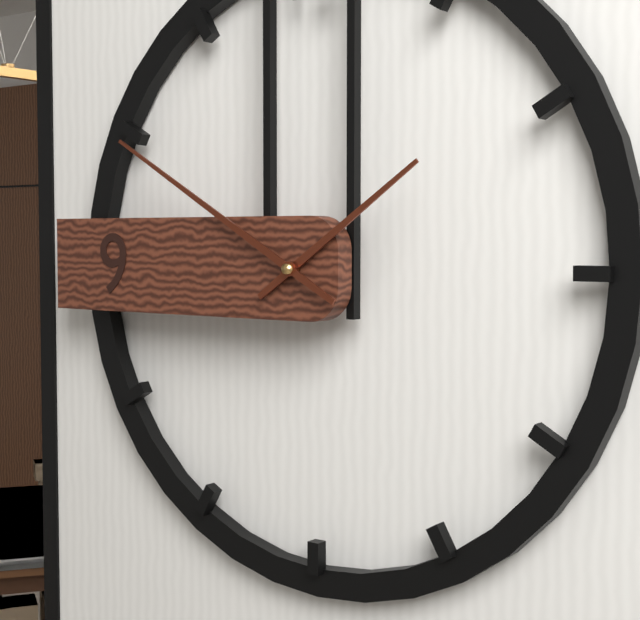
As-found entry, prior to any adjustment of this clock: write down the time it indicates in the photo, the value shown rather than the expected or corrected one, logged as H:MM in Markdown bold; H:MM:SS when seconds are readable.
**1:50**
